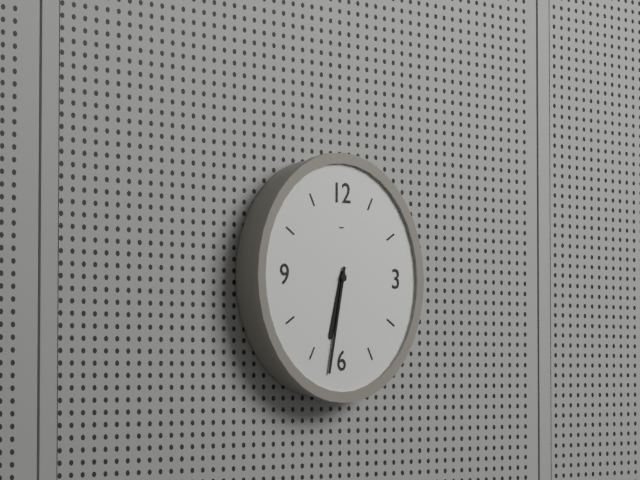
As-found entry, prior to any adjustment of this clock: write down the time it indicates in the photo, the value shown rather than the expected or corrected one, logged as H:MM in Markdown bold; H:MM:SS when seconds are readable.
**6:32**
